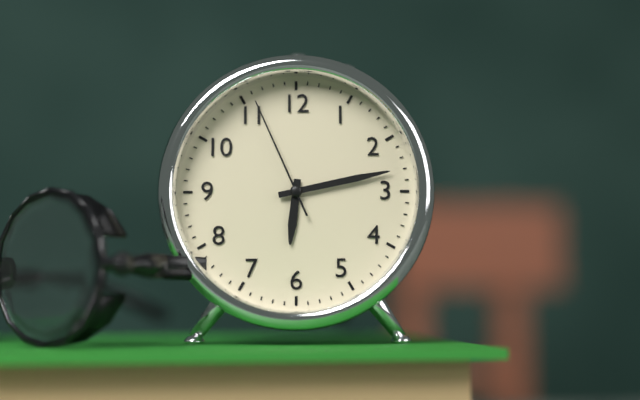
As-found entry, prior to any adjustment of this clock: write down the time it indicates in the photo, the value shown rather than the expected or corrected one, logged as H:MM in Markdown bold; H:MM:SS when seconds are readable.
**6:13:56**
